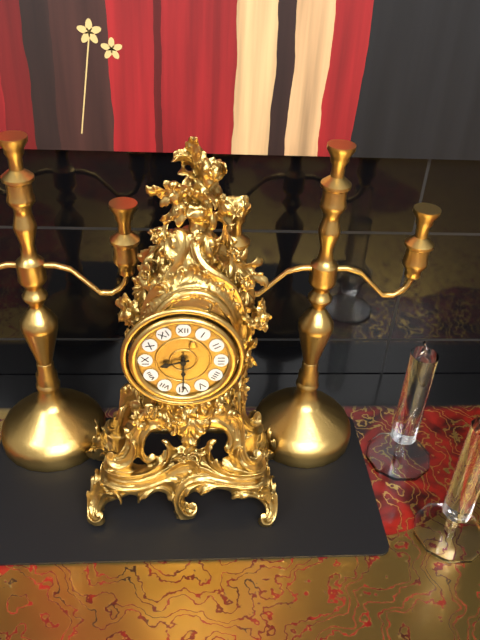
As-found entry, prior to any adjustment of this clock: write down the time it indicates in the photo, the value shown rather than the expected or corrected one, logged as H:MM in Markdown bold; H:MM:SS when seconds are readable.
**8:30**
